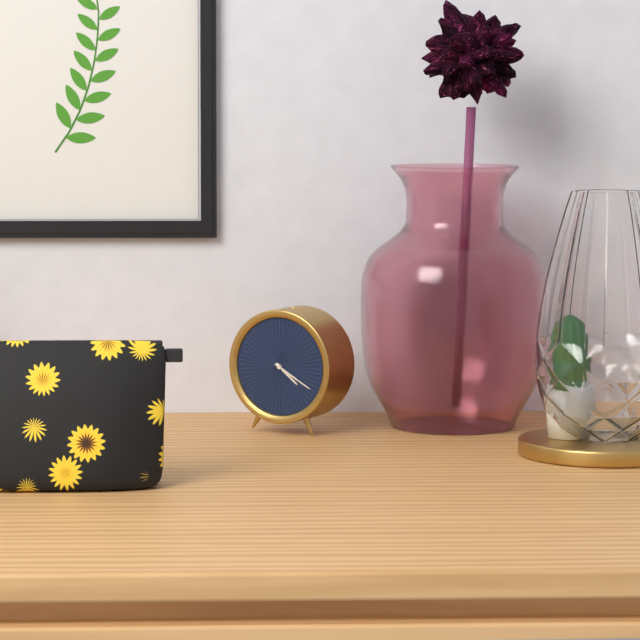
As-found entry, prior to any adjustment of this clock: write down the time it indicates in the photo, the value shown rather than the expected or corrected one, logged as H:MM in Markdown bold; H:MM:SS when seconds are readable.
**4:20**
